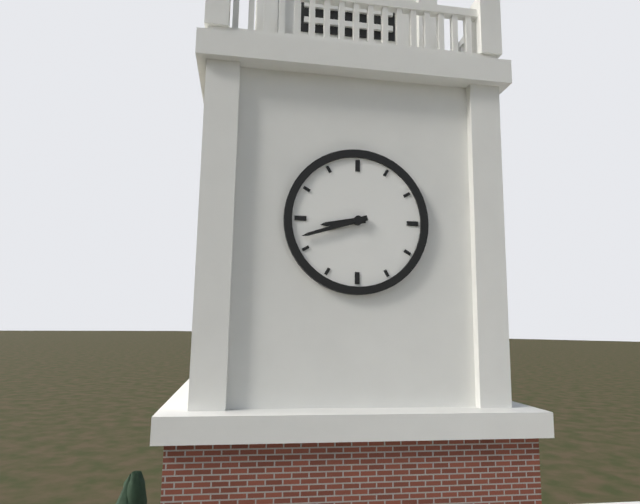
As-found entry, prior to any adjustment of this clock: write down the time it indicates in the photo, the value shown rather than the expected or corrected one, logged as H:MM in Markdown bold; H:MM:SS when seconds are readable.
**8:42**
